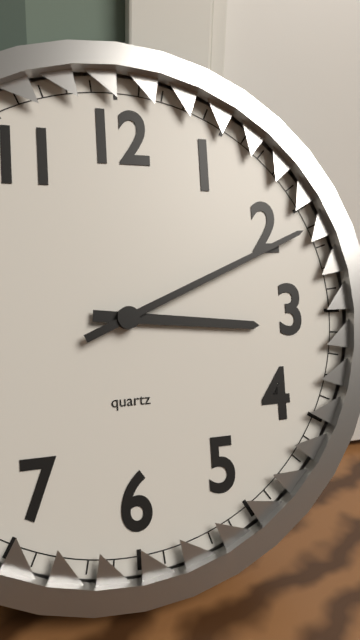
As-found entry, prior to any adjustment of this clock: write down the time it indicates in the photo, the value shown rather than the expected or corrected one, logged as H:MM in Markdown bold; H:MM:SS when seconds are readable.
**3:11**
